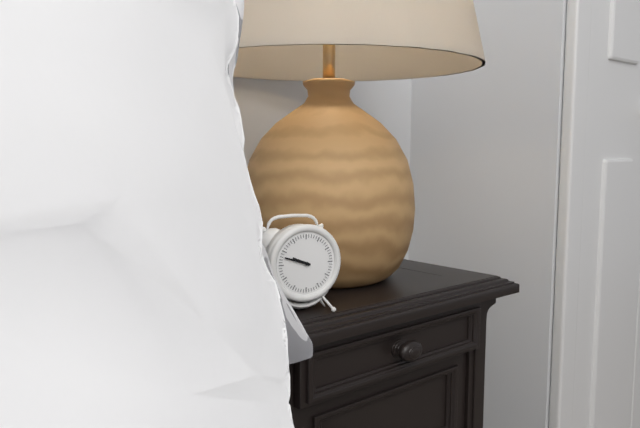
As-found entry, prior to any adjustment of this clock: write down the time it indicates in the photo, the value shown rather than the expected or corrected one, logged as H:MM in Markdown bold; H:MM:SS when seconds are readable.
**9:48**
